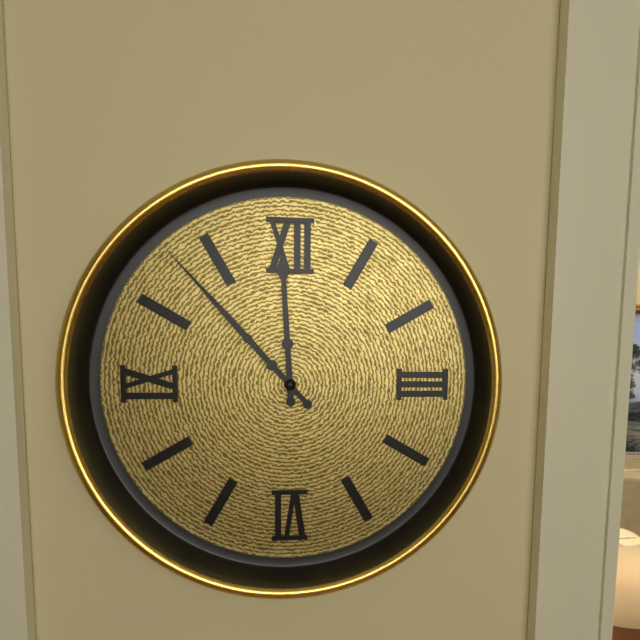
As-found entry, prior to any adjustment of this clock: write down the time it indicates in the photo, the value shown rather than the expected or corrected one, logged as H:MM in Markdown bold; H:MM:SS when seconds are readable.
**11:53**
